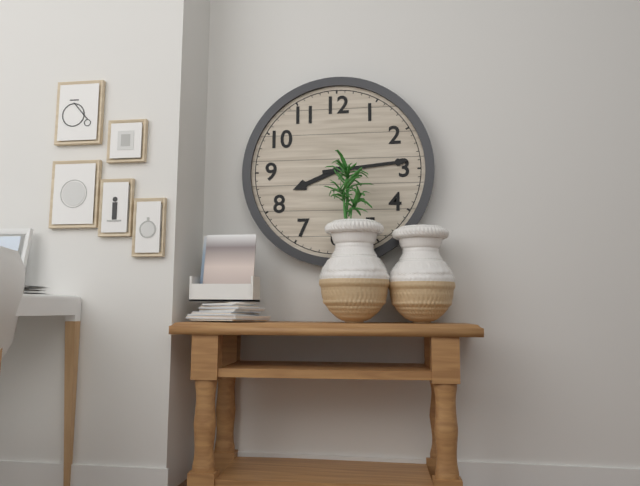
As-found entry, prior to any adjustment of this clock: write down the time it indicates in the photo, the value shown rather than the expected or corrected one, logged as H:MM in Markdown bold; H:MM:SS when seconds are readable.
**8:14**
